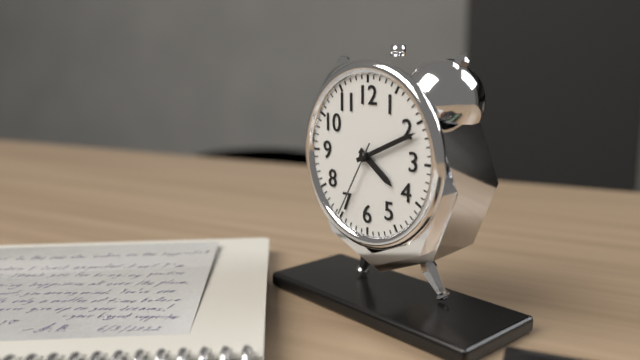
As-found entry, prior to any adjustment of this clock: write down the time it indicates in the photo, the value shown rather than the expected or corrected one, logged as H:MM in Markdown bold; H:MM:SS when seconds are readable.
**4:11:35**
